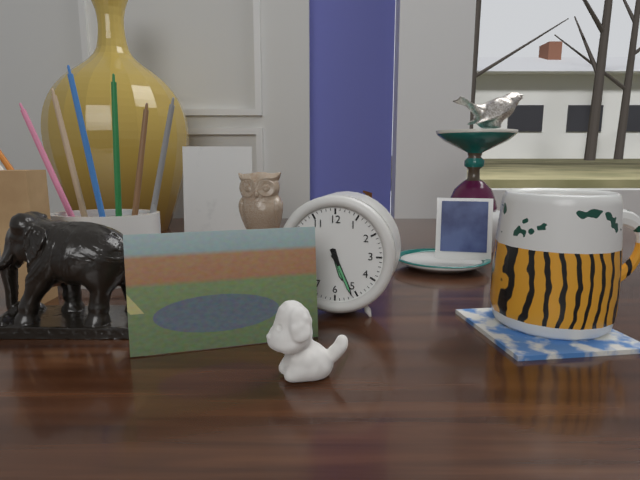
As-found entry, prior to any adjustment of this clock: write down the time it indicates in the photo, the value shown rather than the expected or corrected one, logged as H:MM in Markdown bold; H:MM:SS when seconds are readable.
**5:26**
